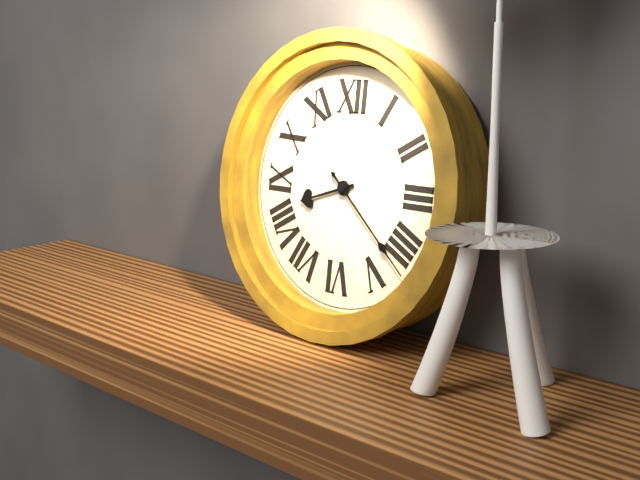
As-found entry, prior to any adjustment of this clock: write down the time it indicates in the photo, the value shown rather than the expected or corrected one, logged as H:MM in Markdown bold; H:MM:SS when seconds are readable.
**8:22**
